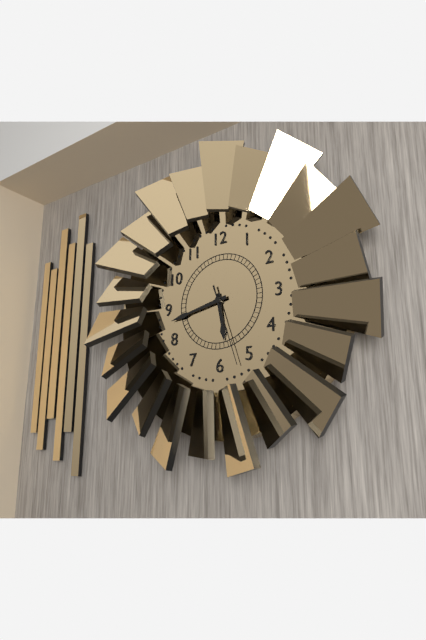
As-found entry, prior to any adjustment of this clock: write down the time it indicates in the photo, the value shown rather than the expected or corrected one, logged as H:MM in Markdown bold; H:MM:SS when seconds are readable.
**5:43:27**
